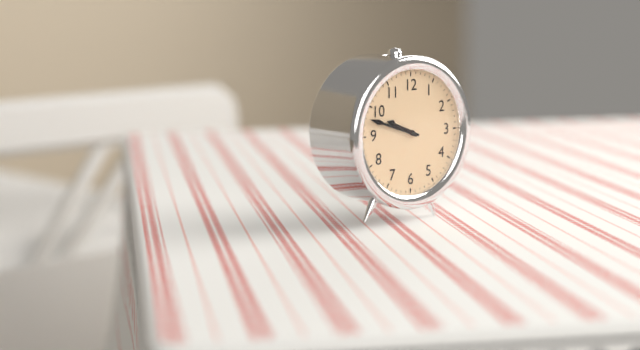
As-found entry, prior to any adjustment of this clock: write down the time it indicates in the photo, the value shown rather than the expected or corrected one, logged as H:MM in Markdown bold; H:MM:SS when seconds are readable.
**9:48**
